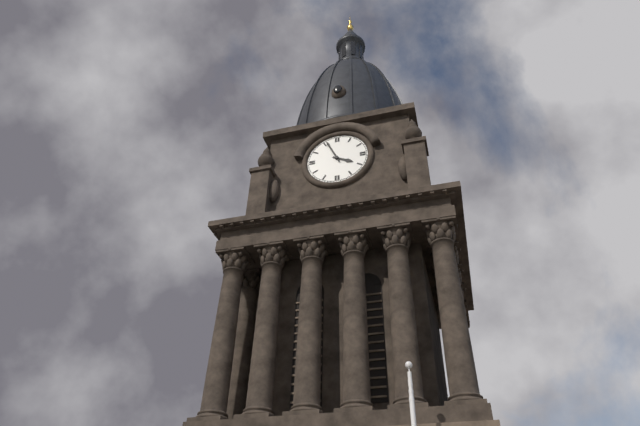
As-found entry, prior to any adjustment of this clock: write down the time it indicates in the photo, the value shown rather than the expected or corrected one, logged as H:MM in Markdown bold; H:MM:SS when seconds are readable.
**3:56**
